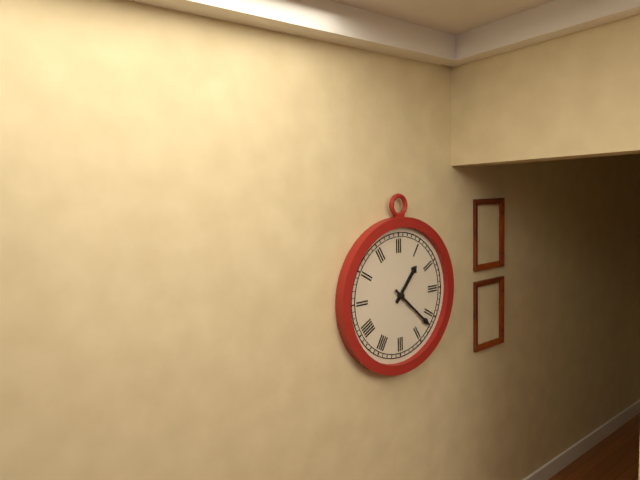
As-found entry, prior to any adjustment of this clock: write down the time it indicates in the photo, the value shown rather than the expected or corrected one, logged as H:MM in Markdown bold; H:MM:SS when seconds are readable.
**1:22**
